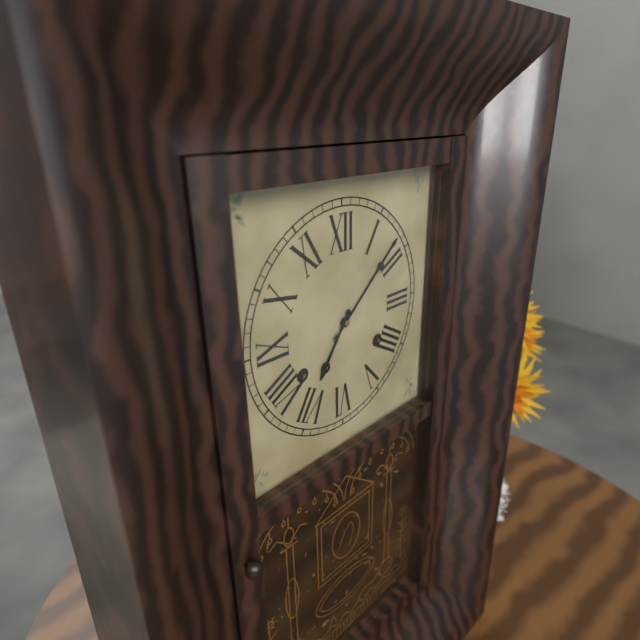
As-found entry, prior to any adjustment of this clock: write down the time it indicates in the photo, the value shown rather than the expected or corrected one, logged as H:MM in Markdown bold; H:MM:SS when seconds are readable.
**7:08**
